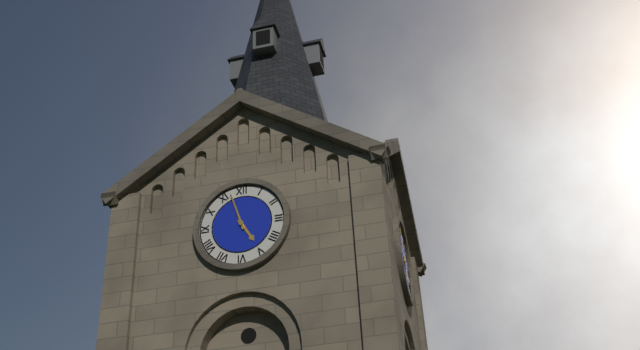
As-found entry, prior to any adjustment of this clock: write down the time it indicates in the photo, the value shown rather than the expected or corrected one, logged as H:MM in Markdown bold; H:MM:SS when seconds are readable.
**4:57**
